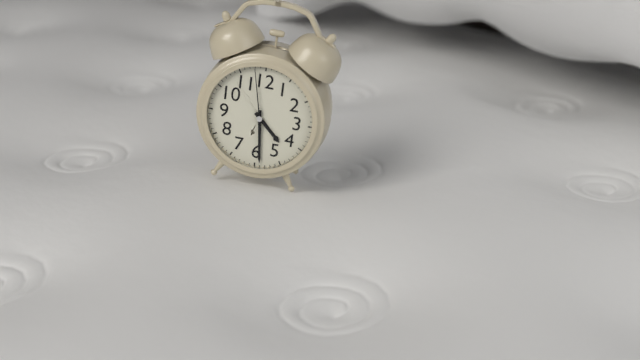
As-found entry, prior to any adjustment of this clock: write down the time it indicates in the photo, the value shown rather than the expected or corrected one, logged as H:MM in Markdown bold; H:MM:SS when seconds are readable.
**4:29:58**
